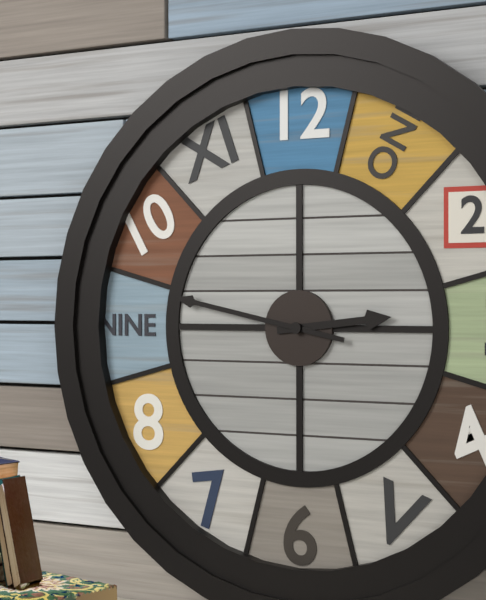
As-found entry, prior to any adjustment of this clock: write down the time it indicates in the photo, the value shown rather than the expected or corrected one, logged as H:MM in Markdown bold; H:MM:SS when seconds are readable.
**2:47**
